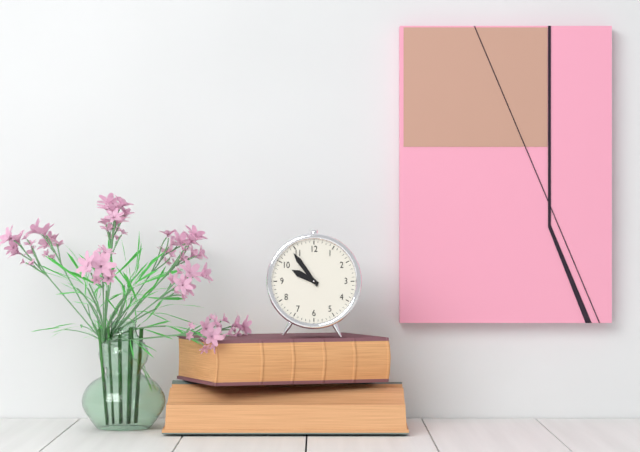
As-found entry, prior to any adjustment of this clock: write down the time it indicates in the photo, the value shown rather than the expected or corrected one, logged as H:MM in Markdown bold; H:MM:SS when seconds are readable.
**9:54**
